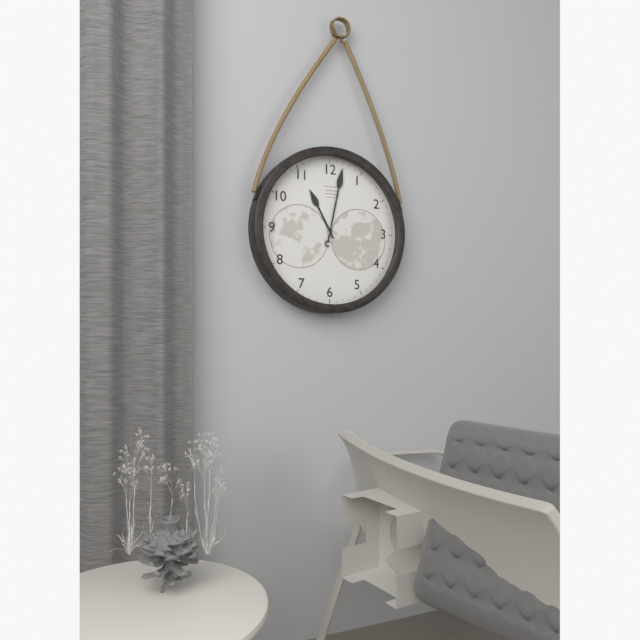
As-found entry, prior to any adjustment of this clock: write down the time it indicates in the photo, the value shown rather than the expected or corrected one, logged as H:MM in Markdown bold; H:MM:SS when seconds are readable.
**11:02**
